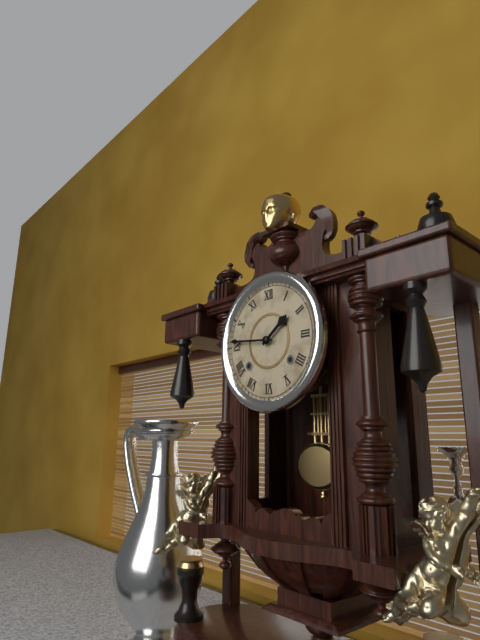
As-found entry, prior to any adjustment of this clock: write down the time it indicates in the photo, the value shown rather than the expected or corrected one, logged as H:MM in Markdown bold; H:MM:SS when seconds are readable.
**1:46**
